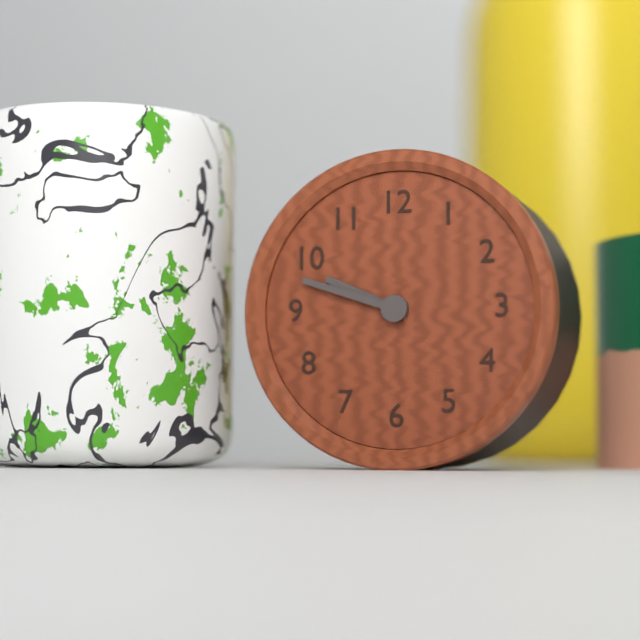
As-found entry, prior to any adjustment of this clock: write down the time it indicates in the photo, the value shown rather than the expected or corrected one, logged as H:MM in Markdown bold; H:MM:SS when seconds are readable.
**9:48**
